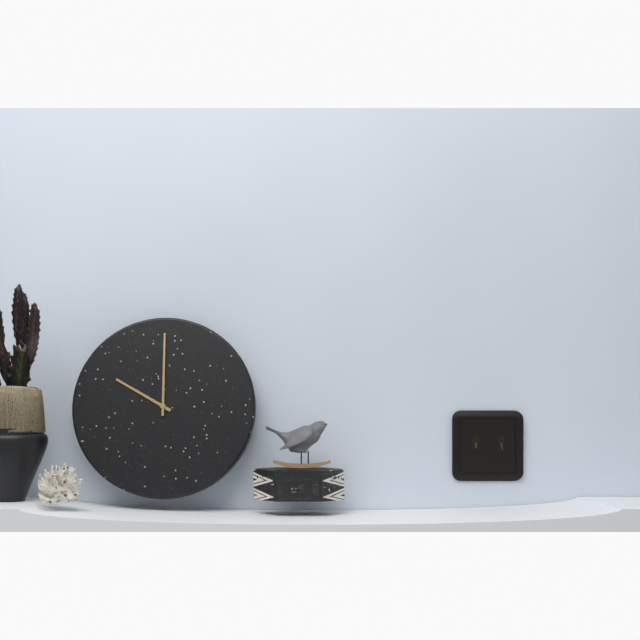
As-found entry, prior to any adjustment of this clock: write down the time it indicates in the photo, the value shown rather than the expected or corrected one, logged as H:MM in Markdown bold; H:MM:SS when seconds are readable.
**10:00**
